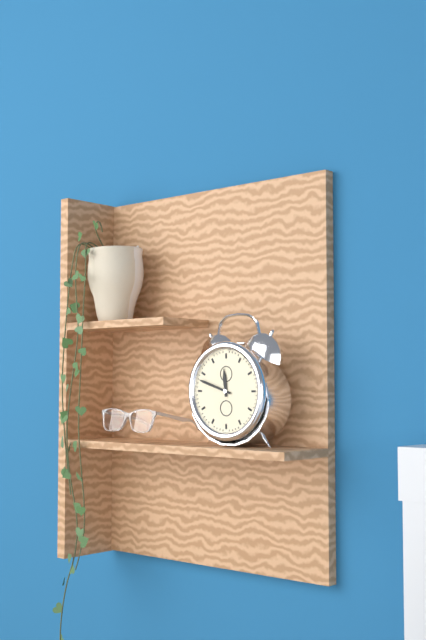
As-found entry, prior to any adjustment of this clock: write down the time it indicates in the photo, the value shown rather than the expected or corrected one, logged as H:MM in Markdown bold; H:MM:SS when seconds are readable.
**11:48**
